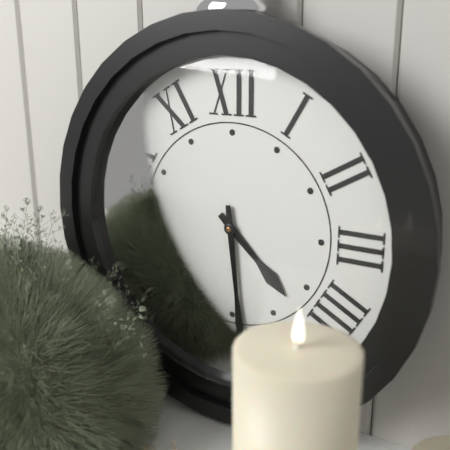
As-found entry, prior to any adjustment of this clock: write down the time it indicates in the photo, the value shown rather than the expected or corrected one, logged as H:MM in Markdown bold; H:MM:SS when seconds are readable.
**4:29**
